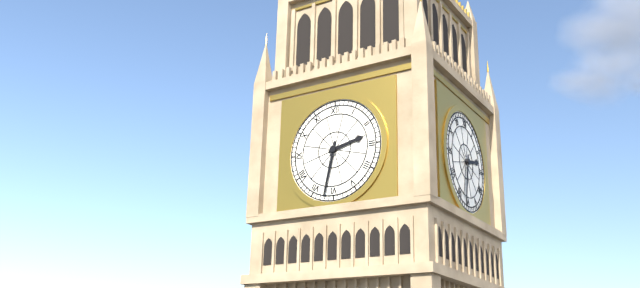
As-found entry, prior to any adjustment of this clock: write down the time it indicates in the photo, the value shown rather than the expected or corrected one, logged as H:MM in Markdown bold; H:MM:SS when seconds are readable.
**2:32**
